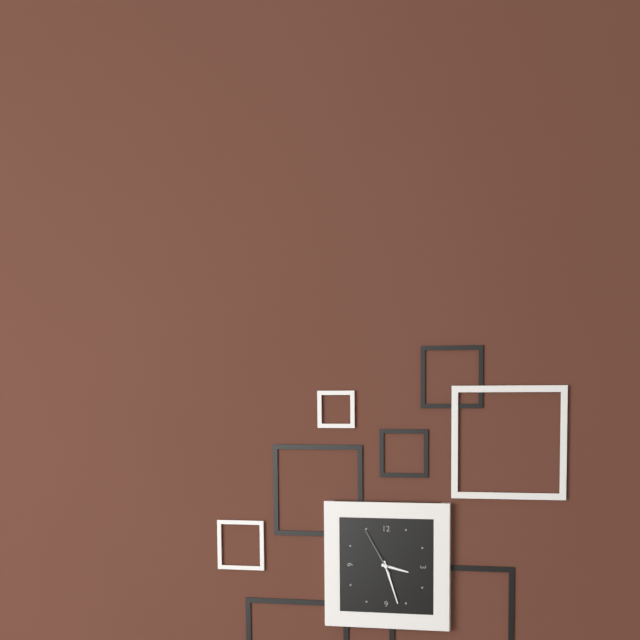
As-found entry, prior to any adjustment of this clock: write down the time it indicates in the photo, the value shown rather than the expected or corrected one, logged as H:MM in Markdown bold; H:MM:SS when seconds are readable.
**3:27:55**
